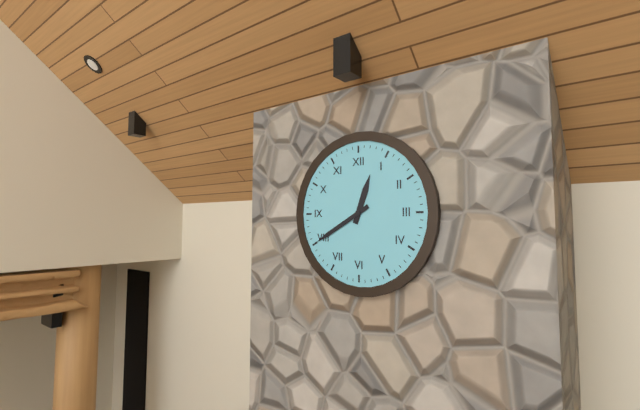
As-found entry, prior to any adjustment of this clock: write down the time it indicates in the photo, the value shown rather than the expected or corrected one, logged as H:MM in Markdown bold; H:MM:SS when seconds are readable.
**12:40**
